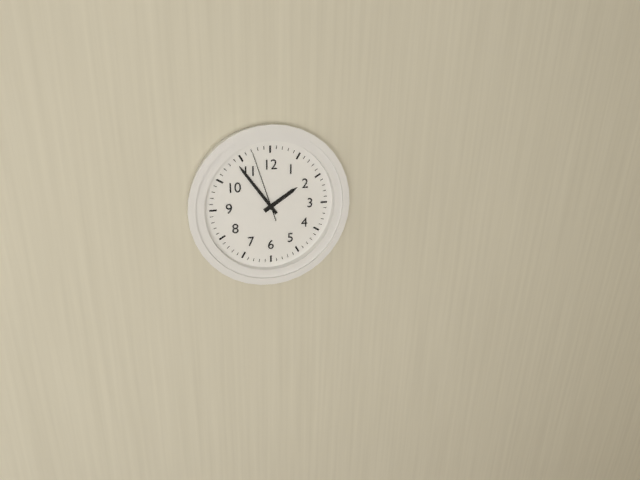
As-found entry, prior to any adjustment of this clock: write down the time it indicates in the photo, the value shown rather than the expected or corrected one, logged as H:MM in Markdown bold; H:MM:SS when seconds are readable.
**1:54:57**
